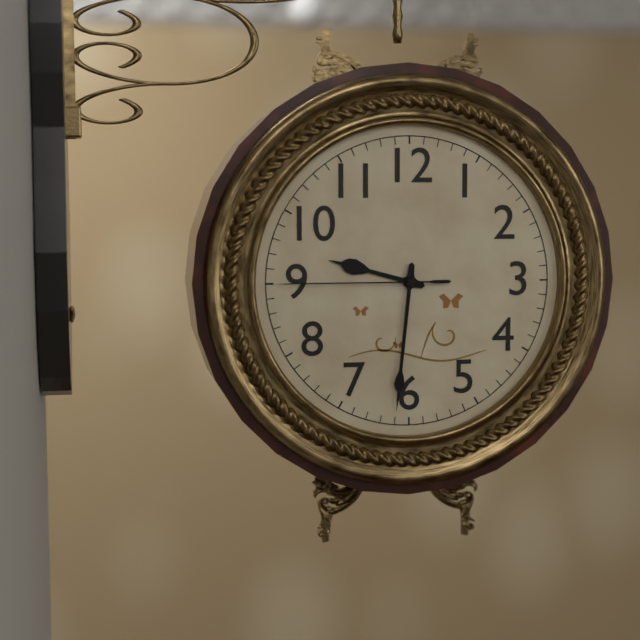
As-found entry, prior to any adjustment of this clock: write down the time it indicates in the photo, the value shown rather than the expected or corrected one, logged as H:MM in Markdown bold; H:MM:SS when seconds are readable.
**9:31:45**
